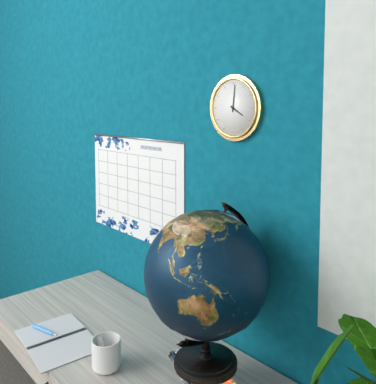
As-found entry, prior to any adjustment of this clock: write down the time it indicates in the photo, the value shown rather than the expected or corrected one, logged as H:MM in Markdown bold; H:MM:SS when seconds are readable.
**4:01**
